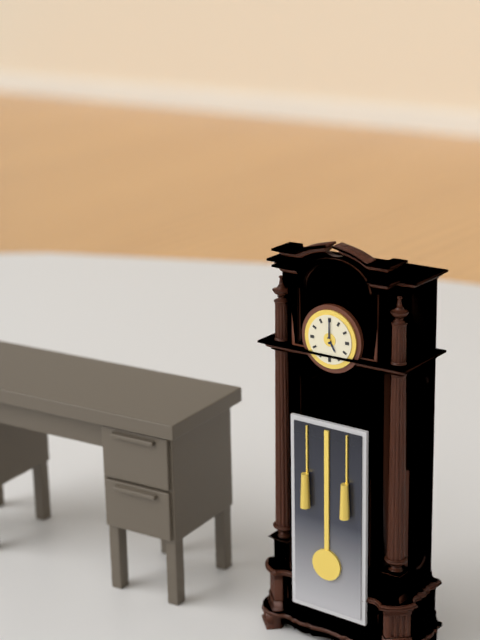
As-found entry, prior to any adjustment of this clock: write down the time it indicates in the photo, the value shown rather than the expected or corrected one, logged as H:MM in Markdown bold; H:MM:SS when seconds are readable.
**5:00**
